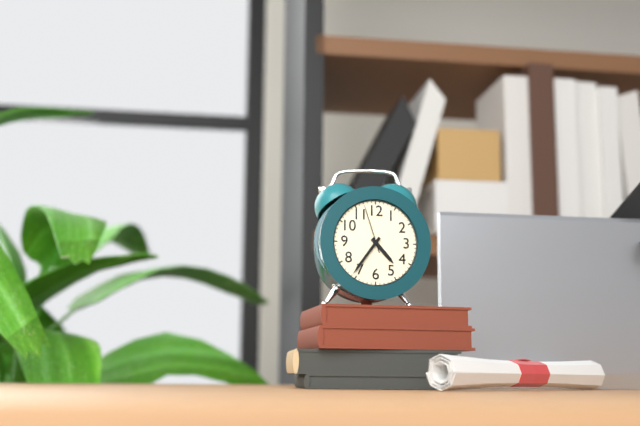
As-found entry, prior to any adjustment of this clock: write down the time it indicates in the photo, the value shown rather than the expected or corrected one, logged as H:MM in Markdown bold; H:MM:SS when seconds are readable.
**4:36:57**
